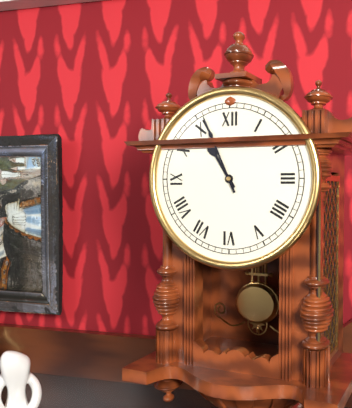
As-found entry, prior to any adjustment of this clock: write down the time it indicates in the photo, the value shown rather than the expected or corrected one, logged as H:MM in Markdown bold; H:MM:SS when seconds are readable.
**10:56**
